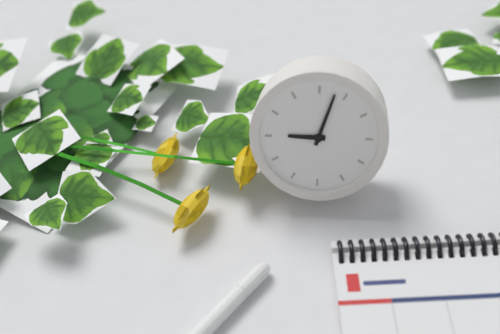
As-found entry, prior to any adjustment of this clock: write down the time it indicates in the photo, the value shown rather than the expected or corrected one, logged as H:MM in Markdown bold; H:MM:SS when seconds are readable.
**9:03**
